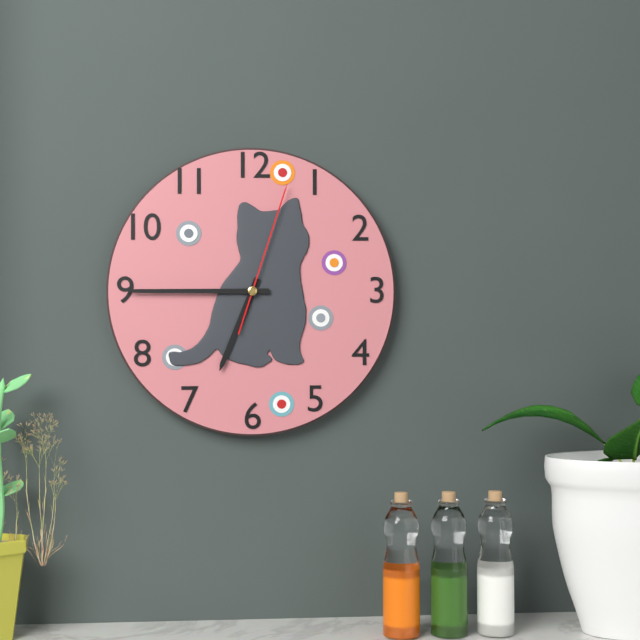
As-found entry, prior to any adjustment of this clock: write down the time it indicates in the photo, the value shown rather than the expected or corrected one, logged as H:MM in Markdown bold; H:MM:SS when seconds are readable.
**6:45:03**
